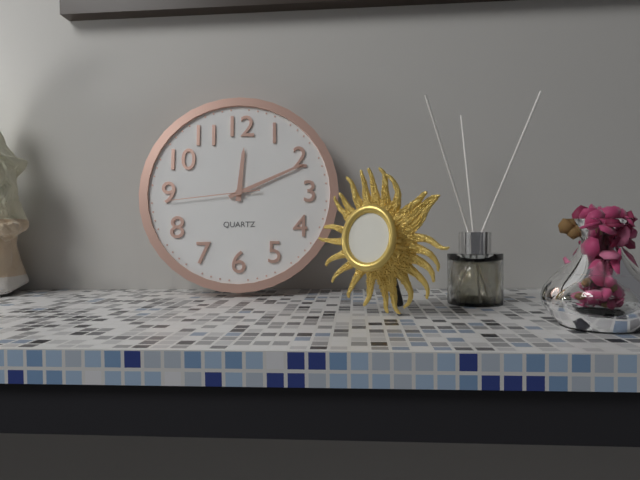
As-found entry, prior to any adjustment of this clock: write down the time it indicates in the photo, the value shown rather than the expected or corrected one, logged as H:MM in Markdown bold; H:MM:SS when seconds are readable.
**12:11:44**
